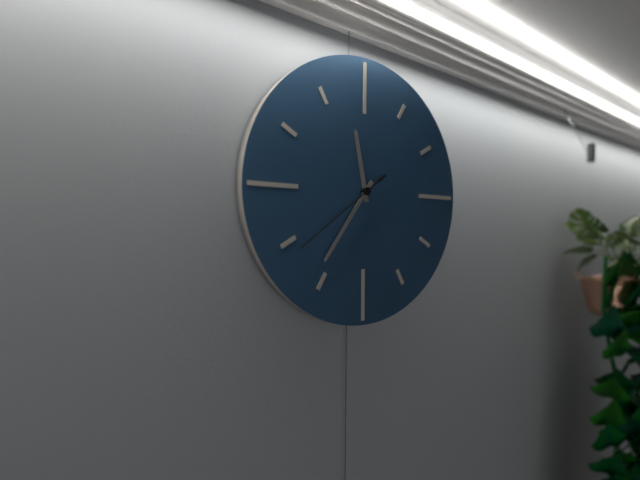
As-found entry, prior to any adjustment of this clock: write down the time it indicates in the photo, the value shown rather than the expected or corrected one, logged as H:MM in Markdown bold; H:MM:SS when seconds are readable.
**11:36:39**
